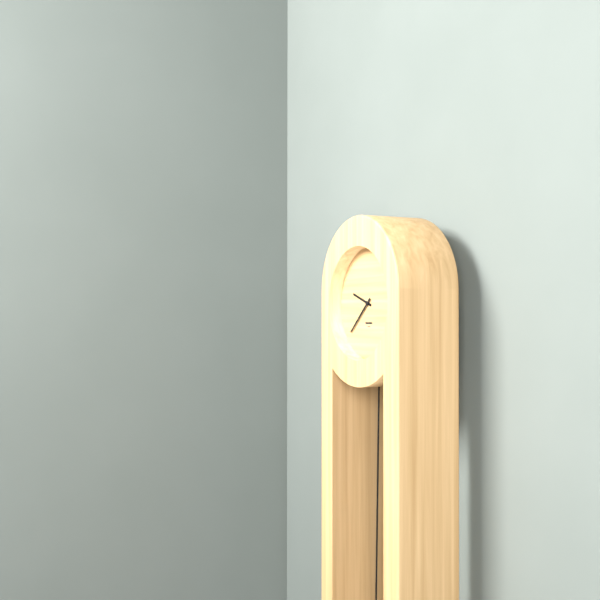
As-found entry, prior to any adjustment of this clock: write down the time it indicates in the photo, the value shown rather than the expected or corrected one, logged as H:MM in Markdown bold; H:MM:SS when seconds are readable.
**9:38**
